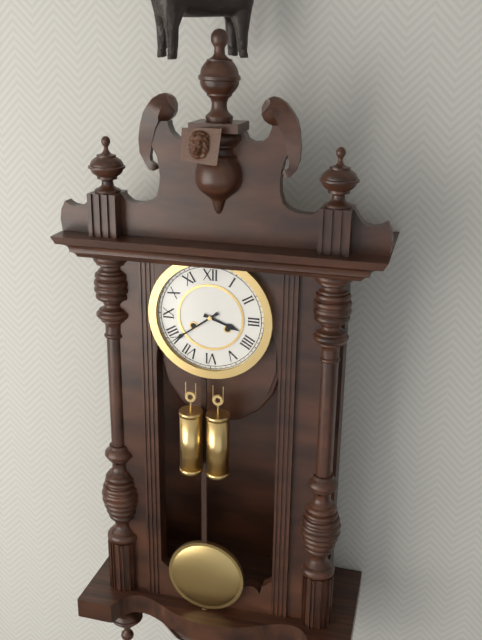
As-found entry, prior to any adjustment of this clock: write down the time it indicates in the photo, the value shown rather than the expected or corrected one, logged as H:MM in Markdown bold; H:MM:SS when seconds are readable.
**3:39**
